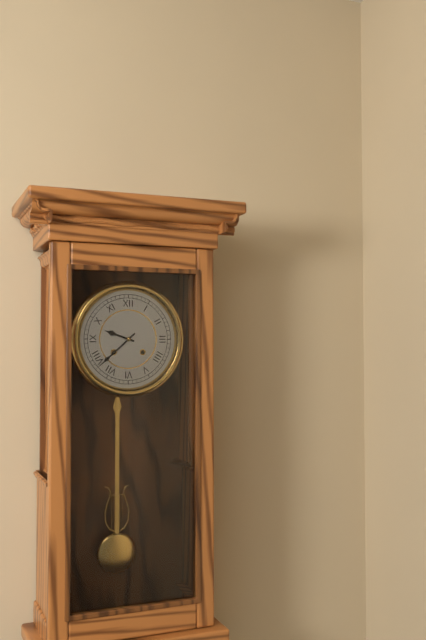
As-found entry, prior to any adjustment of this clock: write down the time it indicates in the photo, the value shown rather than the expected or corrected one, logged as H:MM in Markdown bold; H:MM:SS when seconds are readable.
**9:38**
